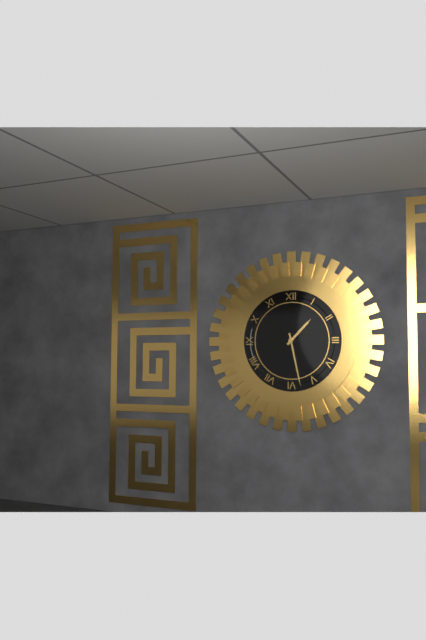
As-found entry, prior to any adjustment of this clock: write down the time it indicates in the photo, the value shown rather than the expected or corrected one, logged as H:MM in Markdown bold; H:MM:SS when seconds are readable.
**1:28**
